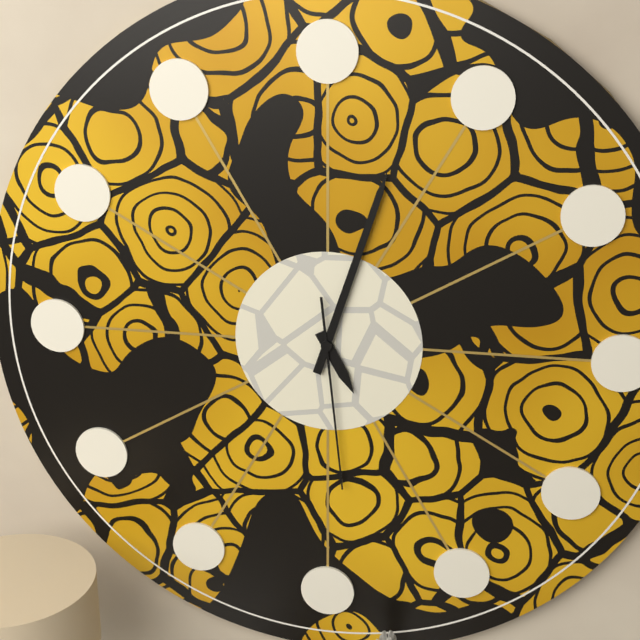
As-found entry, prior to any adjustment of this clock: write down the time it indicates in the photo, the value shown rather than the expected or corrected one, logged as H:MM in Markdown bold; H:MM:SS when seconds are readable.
**5:03:29**
